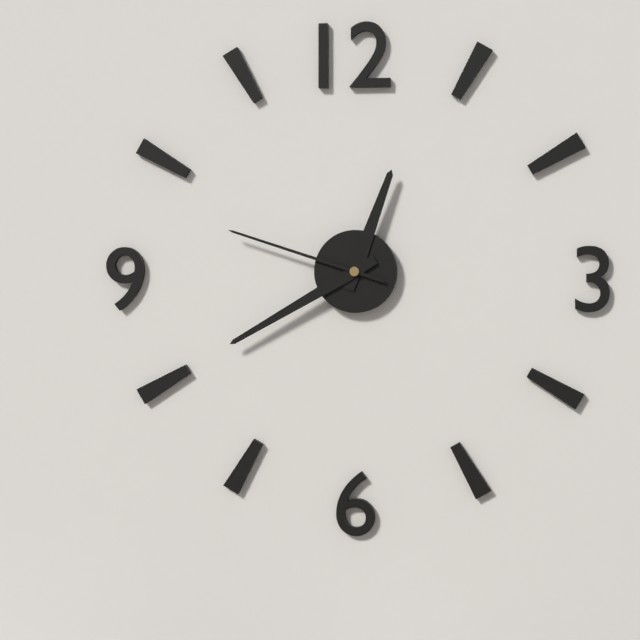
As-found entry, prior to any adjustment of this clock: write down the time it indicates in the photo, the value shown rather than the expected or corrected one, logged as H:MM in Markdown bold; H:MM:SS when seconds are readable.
**12:40:48**
